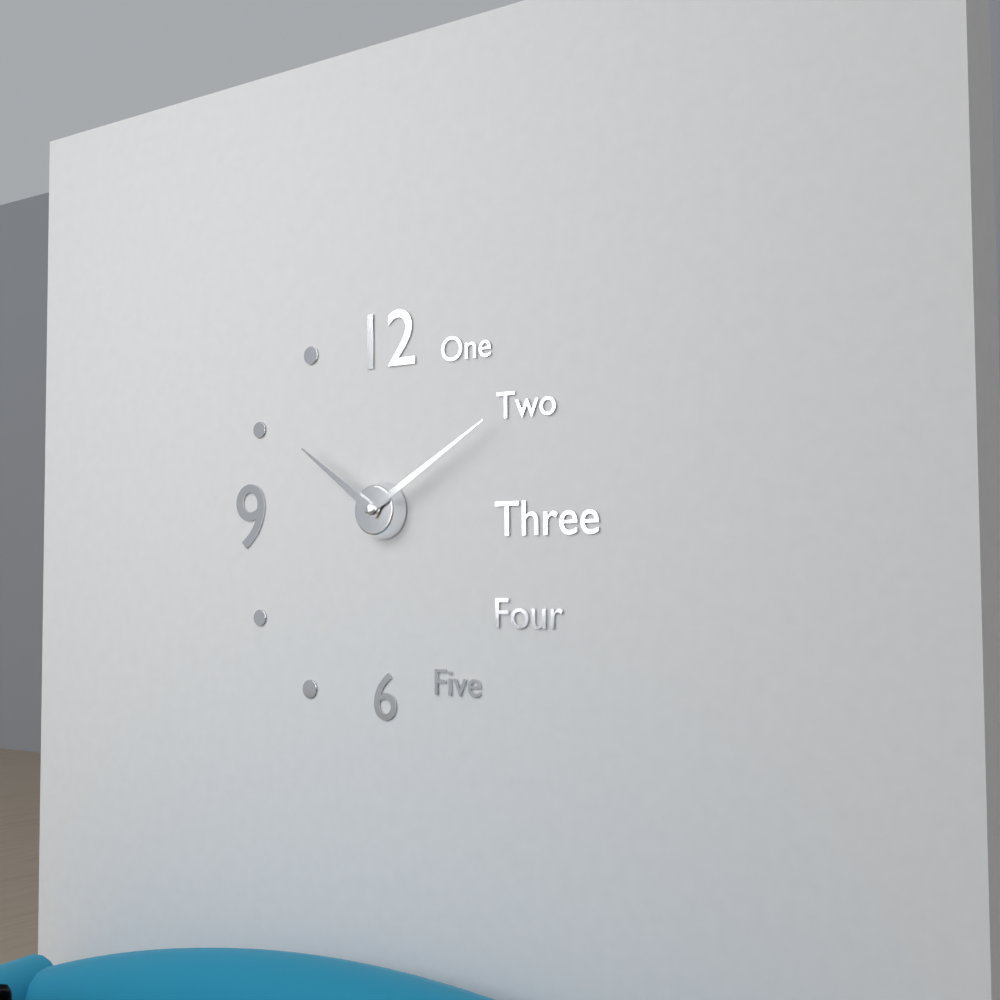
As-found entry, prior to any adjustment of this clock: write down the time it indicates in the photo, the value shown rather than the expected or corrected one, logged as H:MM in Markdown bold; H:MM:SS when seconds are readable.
**10:10**
